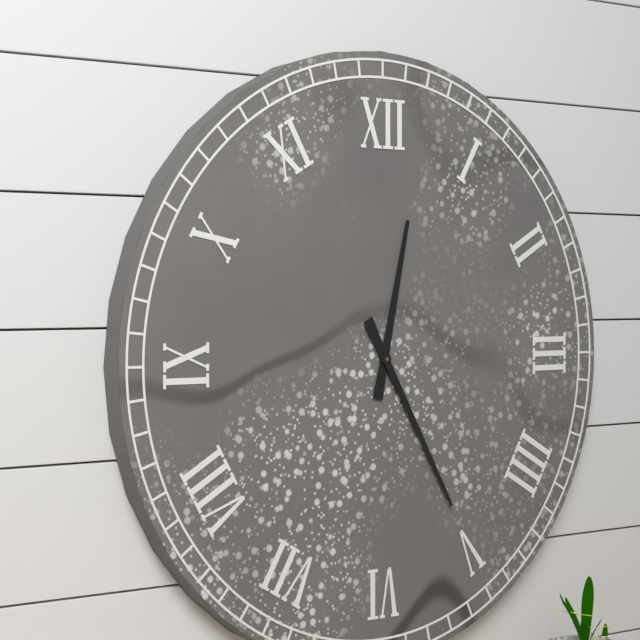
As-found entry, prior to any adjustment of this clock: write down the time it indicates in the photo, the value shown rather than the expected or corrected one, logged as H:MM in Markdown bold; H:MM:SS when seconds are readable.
**12:25**
